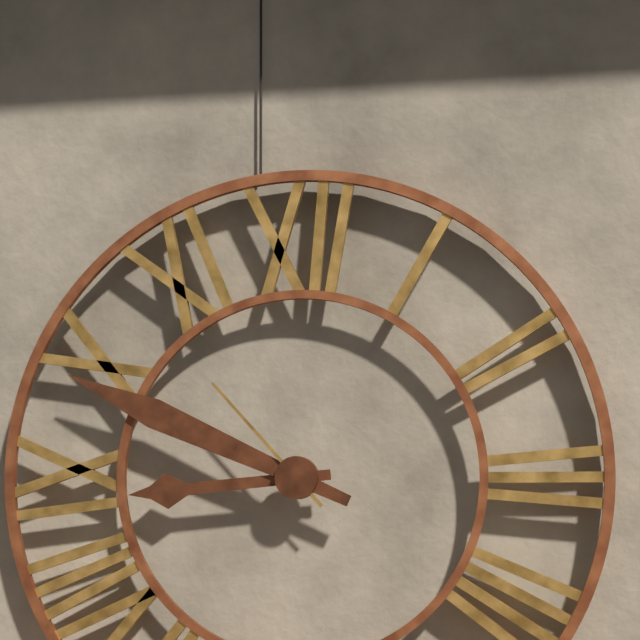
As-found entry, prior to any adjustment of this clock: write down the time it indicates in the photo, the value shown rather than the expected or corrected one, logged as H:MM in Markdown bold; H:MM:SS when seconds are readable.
**8:49:53**
